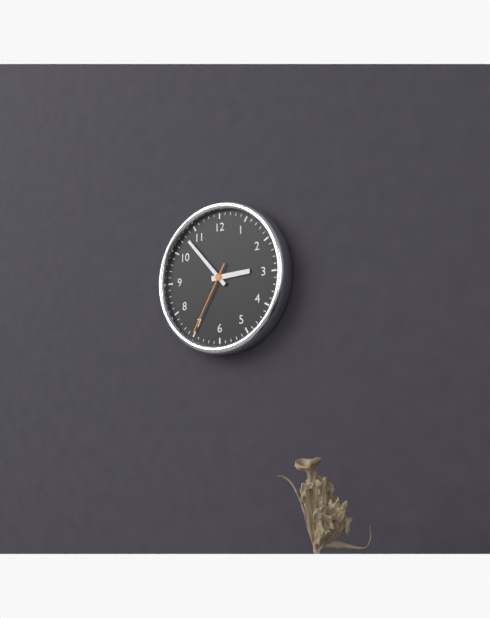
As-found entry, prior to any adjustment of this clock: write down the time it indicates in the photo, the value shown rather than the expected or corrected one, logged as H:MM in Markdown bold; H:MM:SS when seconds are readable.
**2:53:35**
